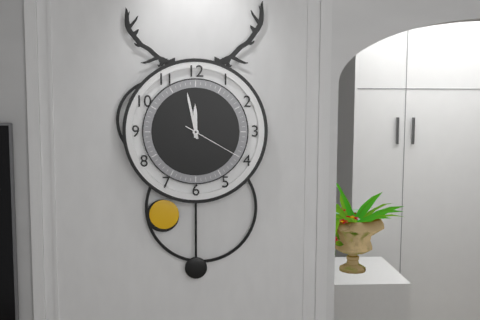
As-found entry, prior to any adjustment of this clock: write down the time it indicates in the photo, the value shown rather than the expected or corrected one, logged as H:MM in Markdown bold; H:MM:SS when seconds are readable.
**11:58:20**
